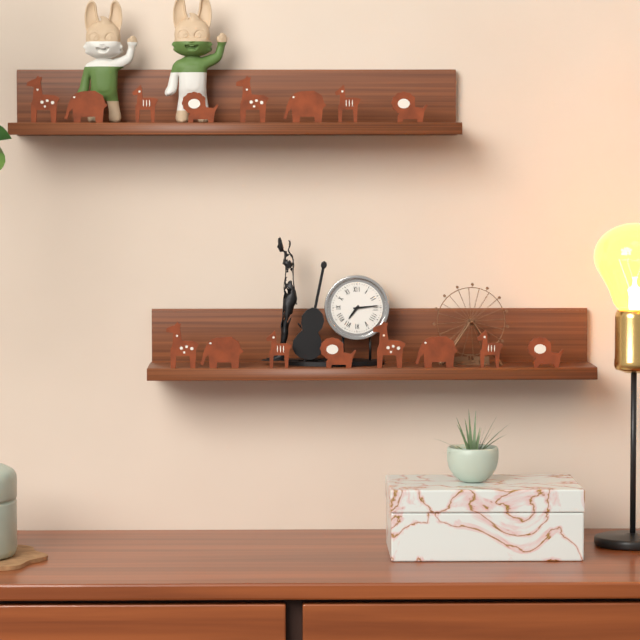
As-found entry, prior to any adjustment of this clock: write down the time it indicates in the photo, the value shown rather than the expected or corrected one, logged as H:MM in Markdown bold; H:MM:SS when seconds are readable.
**7:14**
